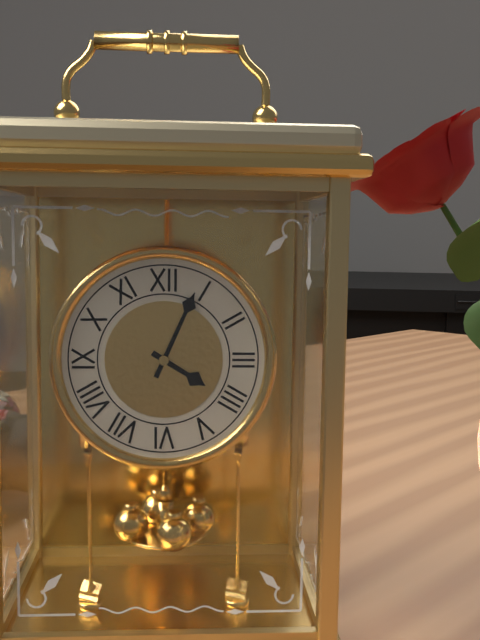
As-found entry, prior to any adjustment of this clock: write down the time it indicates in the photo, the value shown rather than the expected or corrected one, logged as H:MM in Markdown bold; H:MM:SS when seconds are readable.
**4:04**
